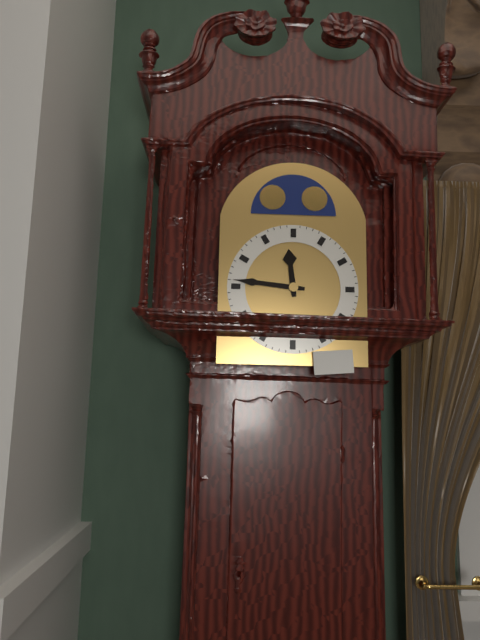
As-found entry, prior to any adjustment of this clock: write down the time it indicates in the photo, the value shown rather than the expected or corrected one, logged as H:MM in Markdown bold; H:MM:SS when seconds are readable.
**11:46**
